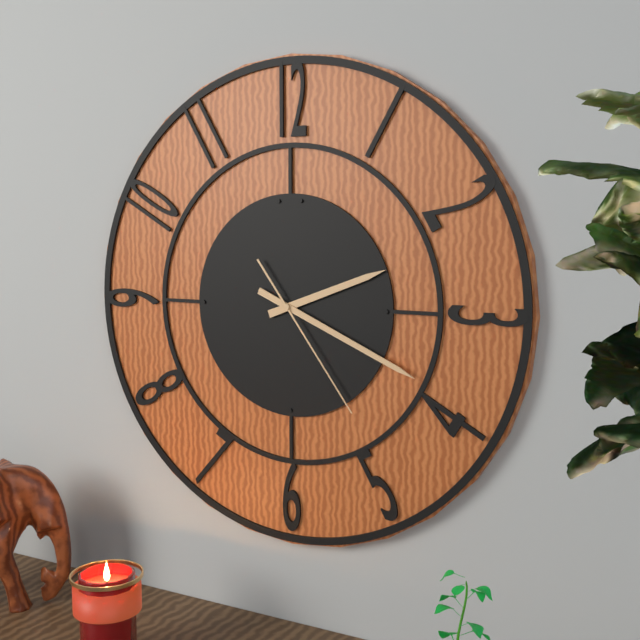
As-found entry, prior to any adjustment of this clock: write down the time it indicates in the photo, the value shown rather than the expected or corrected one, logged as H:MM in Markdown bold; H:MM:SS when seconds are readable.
**2:19:24**
